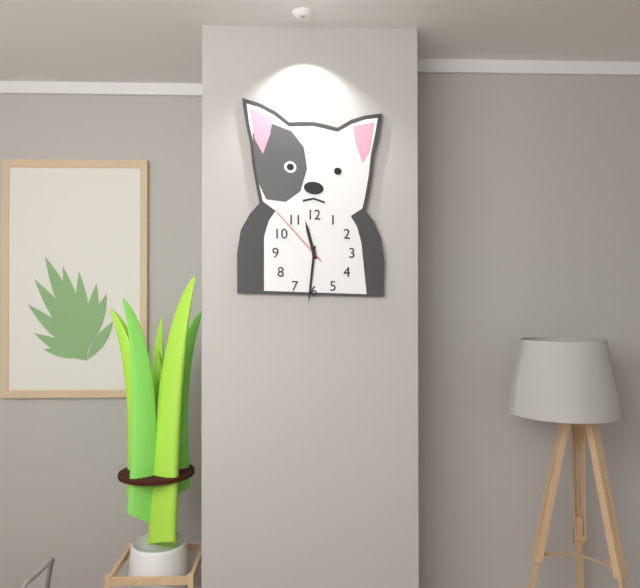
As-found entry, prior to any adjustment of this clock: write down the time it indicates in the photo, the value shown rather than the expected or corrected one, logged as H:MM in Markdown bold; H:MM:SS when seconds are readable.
**11:31:53**
